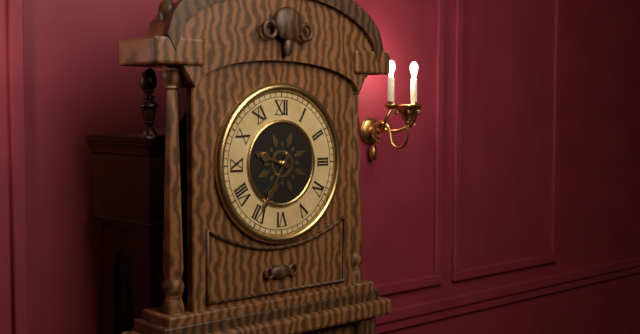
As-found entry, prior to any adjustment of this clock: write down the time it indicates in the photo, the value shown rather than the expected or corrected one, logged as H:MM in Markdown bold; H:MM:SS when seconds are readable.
**9:35**
